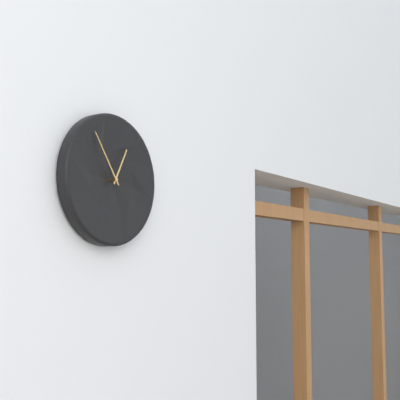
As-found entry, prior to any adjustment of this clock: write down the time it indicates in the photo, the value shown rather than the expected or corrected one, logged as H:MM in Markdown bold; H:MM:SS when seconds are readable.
**12:54**
